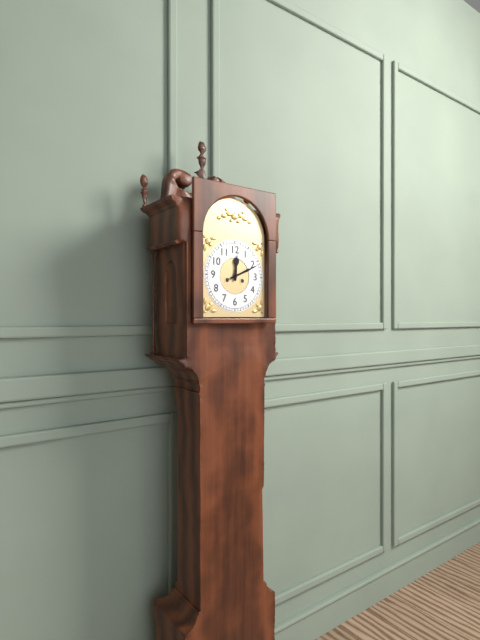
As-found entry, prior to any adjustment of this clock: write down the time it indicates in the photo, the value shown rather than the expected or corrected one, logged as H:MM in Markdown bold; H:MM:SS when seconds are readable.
**12:11**
